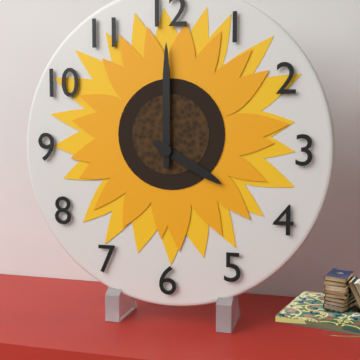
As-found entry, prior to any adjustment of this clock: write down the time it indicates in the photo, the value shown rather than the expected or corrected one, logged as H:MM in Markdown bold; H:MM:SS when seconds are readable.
**4:00**
